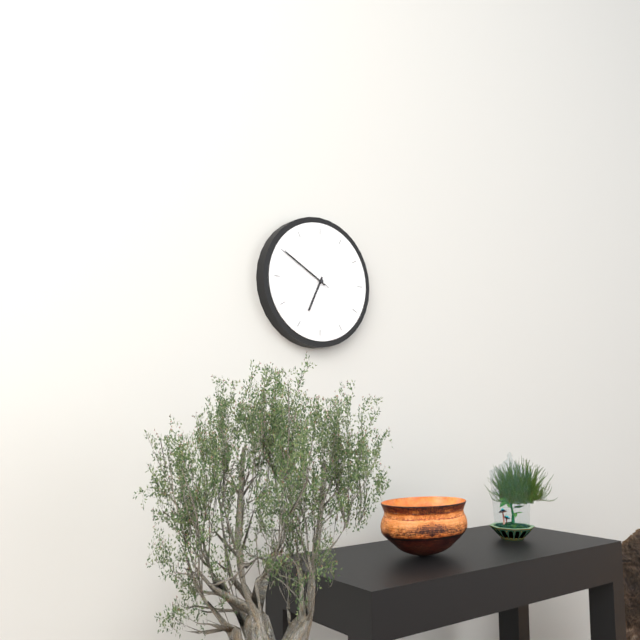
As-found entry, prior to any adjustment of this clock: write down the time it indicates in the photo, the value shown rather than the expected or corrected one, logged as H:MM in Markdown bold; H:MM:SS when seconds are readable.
**6:50:50**
